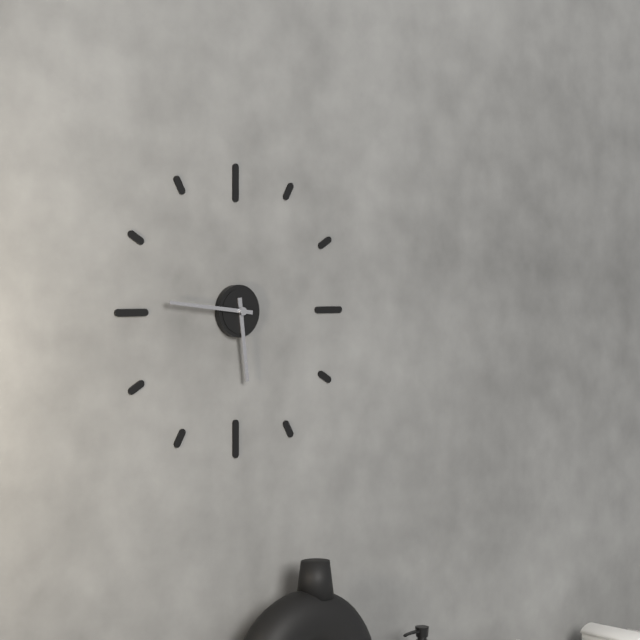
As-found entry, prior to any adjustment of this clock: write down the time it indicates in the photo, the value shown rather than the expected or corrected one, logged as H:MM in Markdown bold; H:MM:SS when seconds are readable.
**5:46**
